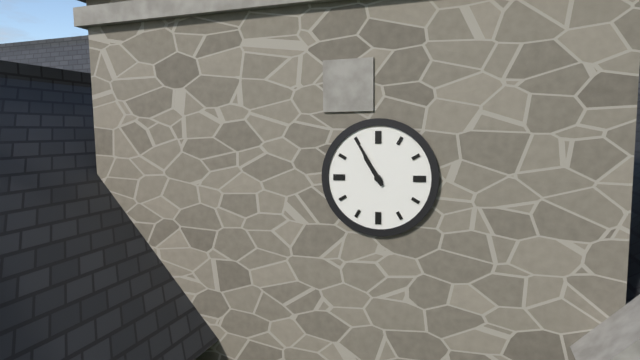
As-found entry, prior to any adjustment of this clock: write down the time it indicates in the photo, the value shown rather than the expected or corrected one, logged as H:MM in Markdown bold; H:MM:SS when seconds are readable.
**10:55**
